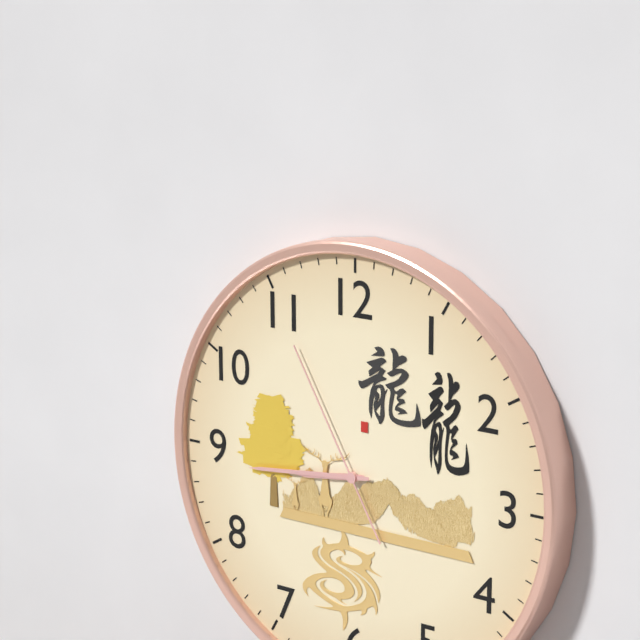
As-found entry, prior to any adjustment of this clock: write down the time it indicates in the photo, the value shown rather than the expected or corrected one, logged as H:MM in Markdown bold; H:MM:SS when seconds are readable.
**8:44:55**
